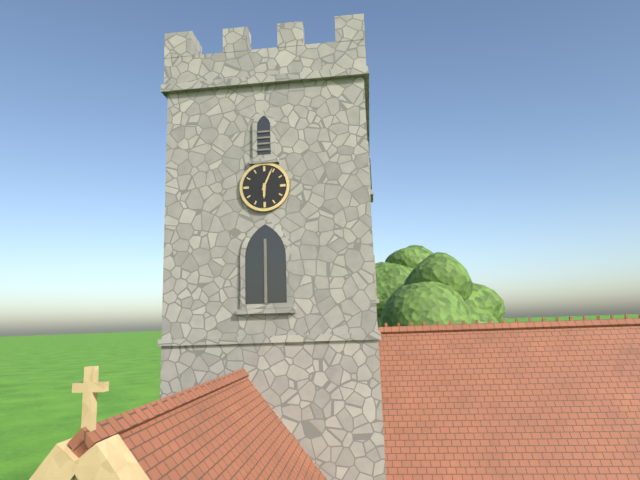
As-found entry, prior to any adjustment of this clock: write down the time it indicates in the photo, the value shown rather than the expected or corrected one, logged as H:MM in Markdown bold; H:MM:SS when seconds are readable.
**6:04**
